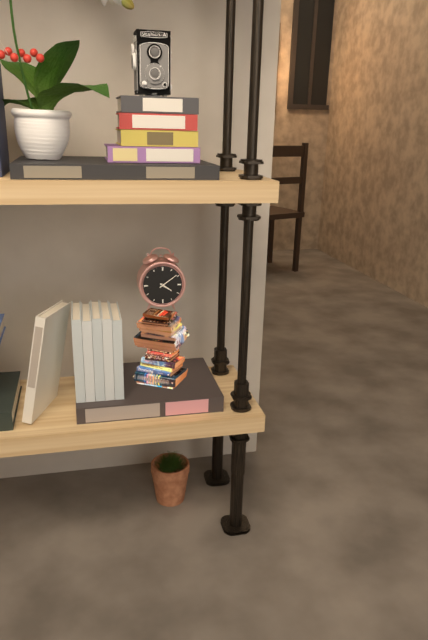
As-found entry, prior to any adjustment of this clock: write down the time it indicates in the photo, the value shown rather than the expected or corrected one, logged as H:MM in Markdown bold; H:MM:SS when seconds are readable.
**4:09**
